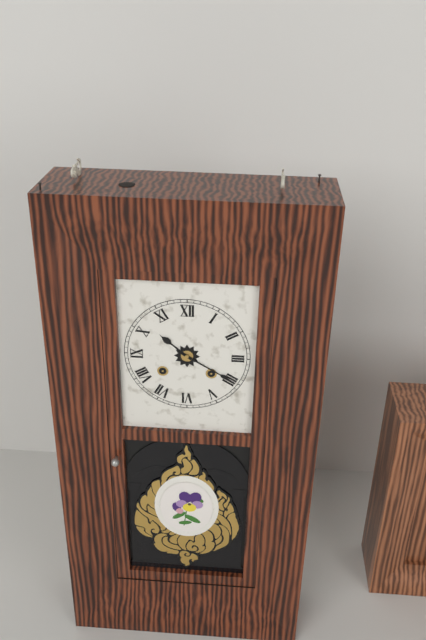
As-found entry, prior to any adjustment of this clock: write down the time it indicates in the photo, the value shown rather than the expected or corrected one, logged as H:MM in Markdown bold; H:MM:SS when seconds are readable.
**10:20**
